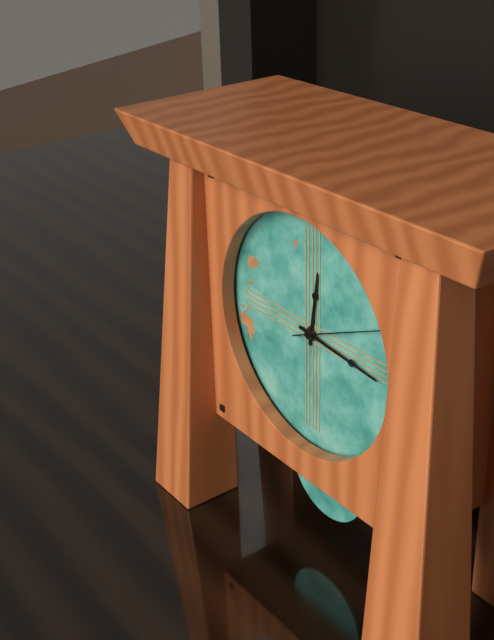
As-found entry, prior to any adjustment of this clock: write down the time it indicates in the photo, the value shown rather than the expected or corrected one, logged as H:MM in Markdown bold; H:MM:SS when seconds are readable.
**12:16:11**
